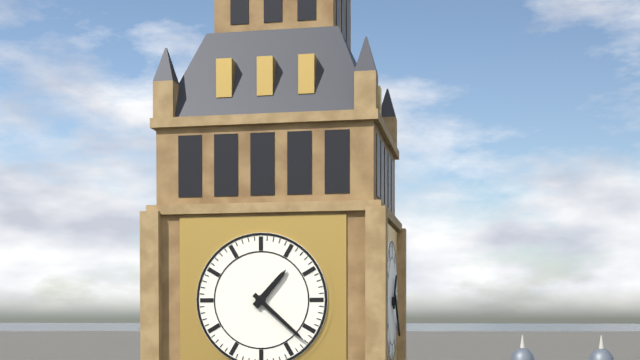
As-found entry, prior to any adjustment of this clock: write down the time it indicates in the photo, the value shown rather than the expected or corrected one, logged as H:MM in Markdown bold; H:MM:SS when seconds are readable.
**1:22**
